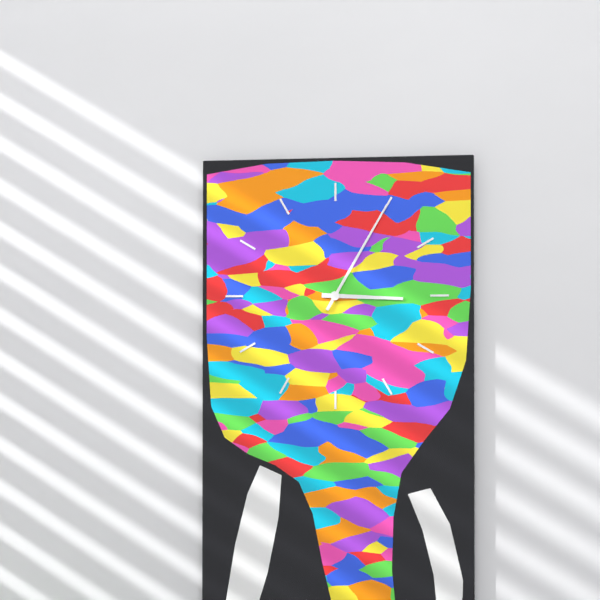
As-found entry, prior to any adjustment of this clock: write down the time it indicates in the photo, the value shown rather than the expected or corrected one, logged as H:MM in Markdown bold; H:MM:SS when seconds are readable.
**3:05**
